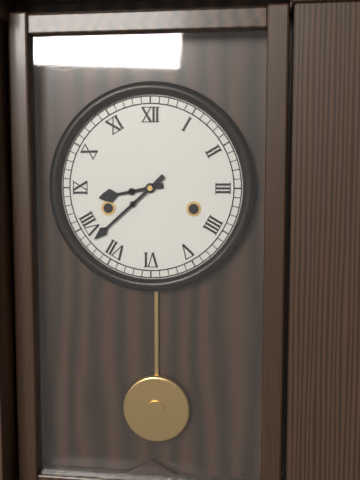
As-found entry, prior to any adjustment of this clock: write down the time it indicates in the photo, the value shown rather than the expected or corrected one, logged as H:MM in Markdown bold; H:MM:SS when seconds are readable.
**8:38**
